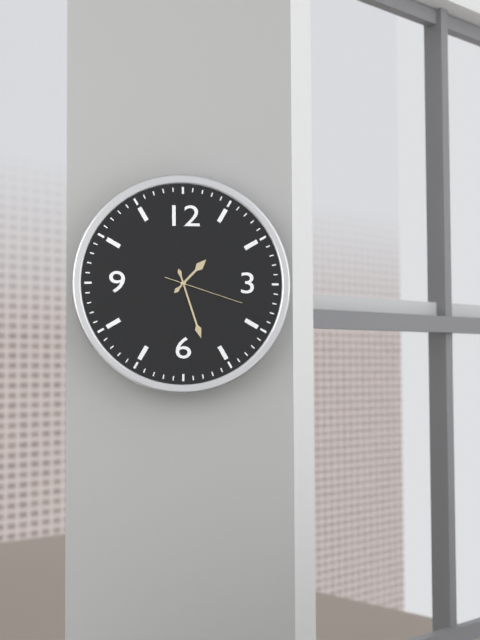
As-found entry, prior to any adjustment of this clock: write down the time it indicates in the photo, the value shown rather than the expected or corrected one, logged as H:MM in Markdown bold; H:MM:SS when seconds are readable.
**1:27:18**
